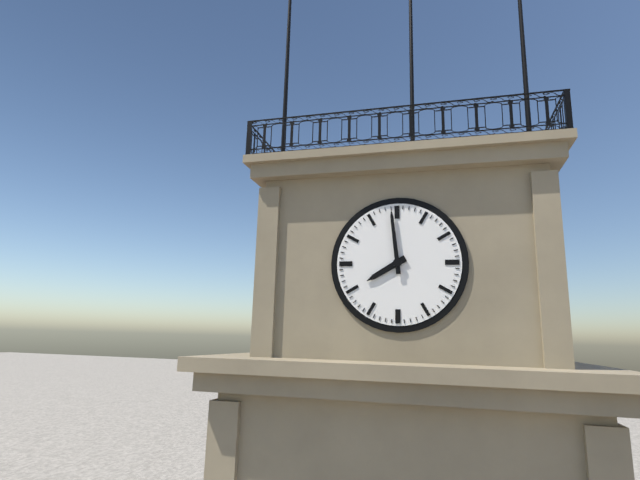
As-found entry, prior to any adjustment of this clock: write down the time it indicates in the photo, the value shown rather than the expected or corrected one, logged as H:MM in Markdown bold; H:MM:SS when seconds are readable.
**7:59**
